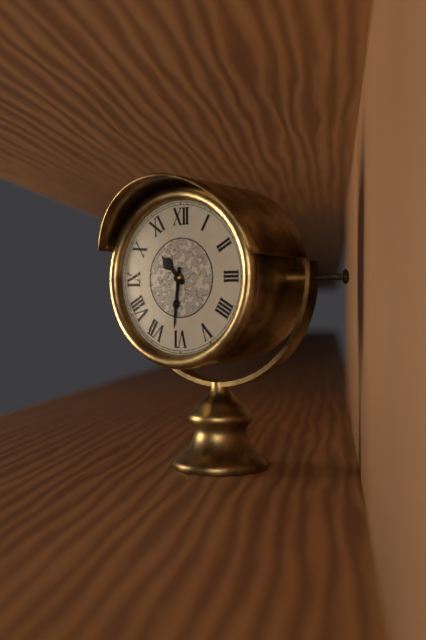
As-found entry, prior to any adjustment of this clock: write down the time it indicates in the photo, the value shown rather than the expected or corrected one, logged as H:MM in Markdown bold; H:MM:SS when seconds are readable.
**10:31**
